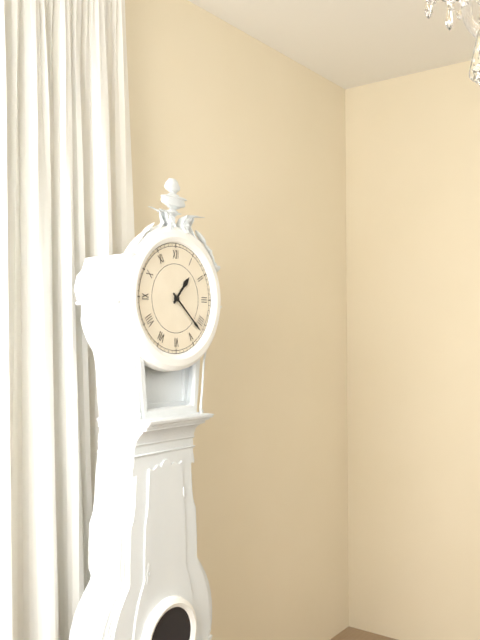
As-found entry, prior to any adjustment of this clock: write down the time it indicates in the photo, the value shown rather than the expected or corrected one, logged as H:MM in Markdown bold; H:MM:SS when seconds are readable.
**1:22**
